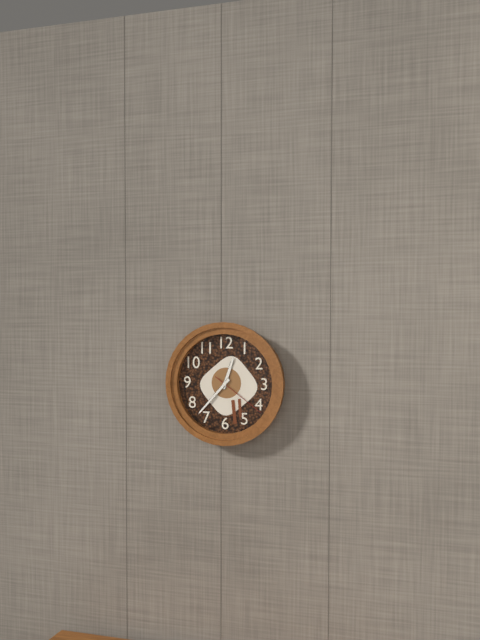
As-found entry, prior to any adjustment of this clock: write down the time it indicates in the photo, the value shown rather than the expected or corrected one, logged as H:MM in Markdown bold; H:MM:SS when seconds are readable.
**12:37:21**
